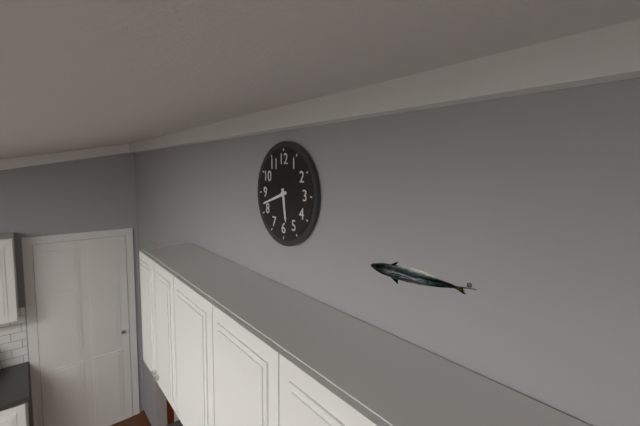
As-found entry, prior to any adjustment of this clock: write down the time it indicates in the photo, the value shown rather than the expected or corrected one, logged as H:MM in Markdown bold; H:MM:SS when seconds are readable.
**5:42**
